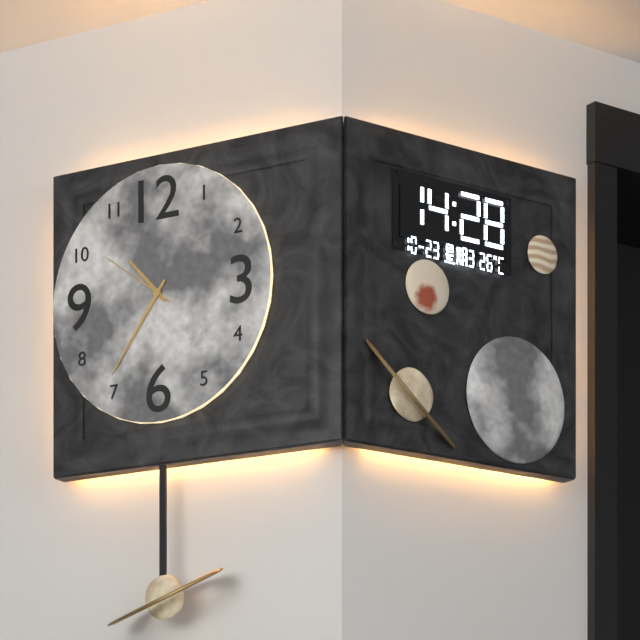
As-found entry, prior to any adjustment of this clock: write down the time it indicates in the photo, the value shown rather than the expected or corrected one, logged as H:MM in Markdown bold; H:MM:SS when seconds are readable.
**10:36:51**
